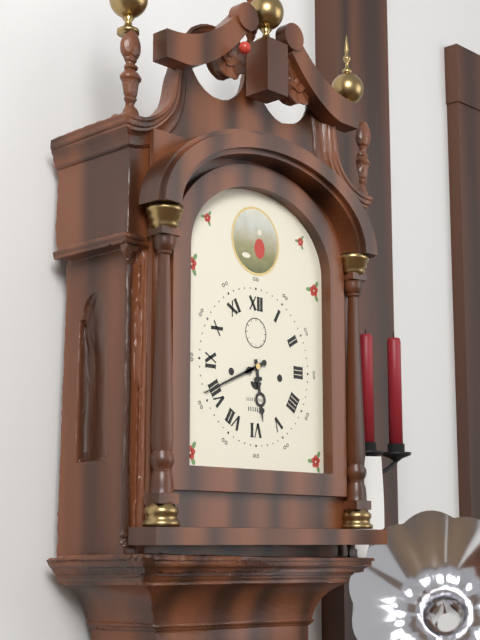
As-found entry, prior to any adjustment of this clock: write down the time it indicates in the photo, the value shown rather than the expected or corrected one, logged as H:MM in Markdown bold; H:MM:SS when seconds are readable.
**5:41**
